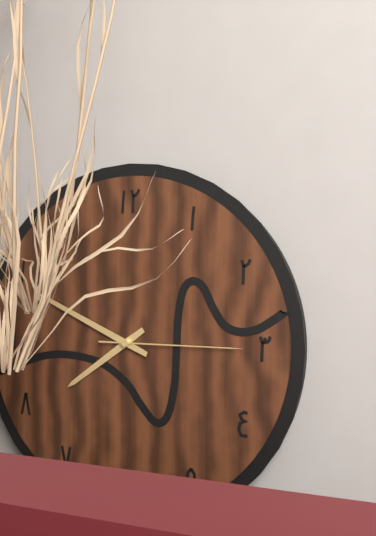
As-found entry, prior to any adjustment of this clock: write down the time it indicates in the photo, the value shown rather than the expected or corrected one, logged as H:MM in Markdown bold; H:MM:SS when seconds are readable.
**7:49:15**
